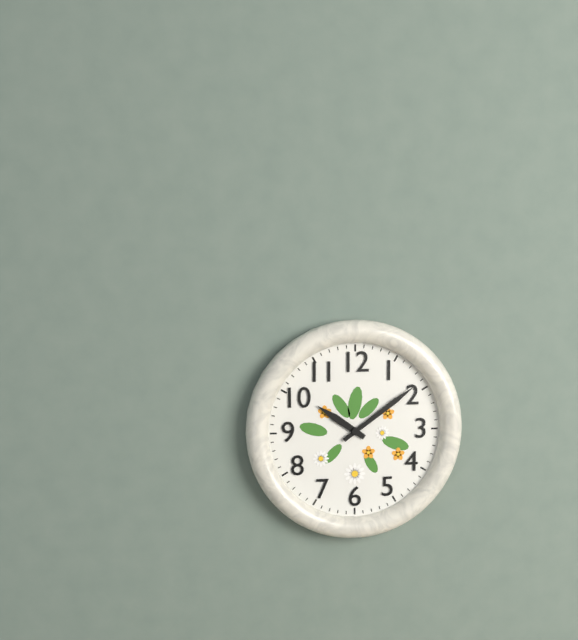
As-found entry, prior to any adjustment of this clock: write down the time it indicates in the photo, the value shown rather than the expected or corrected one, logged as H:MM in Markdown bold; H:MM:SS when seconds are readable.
**10:09**
